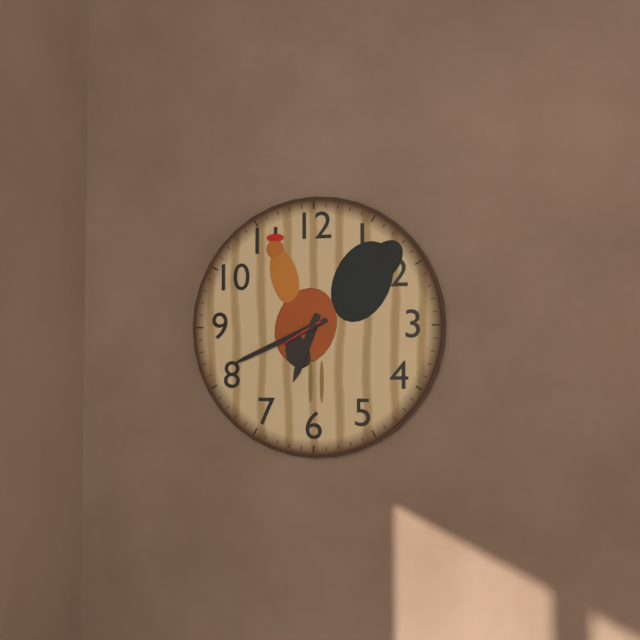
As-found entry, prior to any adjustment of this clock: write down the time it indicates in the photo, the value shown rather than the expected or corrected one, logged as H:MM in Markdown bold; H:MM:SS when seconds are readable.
**6:41**
